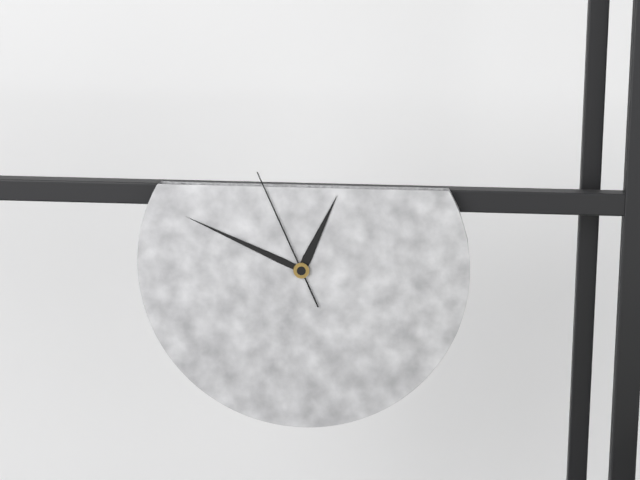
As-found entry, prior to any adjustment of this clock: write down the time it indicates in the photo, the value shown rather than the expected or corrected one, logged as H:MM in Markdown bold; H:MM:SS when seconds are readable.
**12:49:56**
